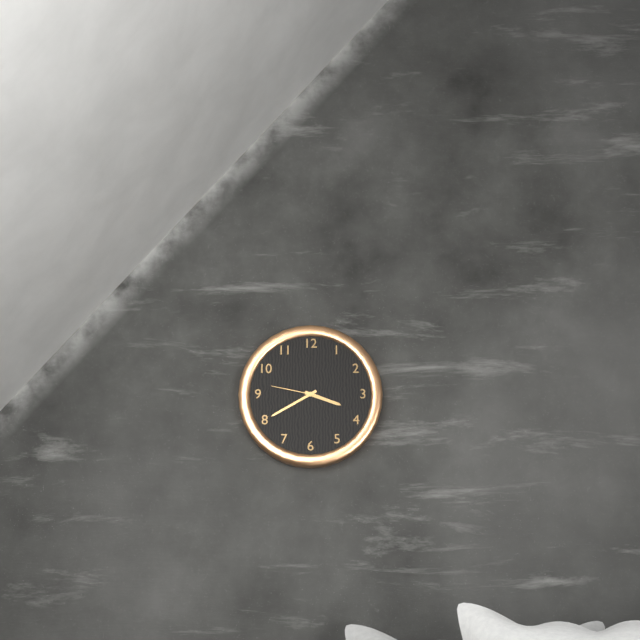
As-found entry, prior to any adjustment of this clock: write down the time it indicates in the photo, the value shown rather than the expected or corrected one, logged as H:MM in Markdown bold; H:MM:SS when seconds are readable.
**3:40:47**
